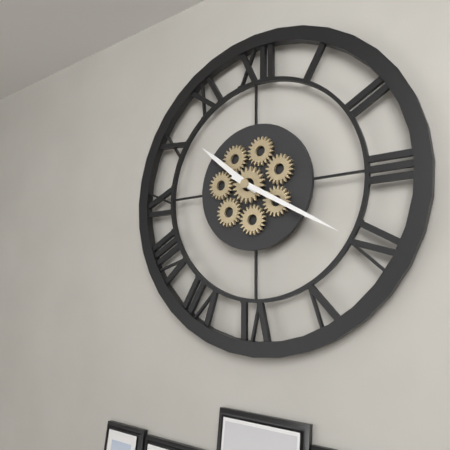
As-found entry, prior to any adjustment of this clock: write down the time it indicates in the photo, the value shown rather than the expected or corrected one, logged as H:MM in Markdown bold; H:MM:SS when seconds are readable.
**10:20**
